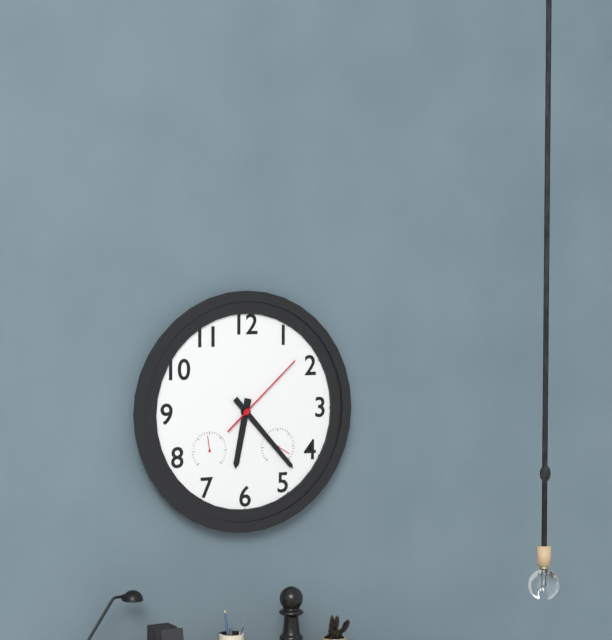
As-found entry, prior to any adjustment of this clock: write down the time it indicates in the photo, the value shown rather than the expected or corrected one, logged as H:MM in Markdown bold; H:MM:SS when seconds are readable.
**6:23:08**
